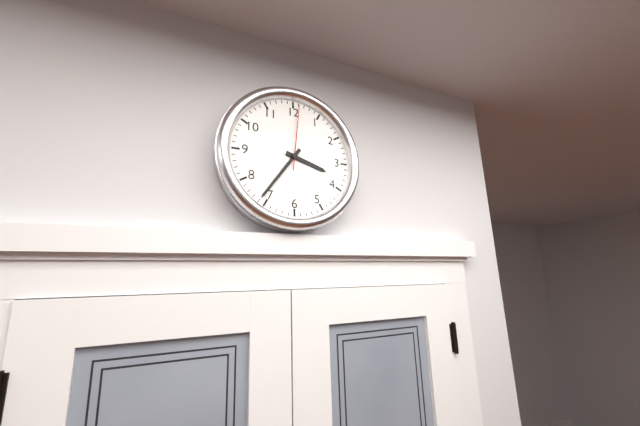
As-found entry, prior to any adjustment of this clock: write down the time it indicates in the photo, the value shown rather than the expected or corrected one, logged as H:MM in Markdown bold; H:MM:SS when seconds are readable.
**3:36:01**
